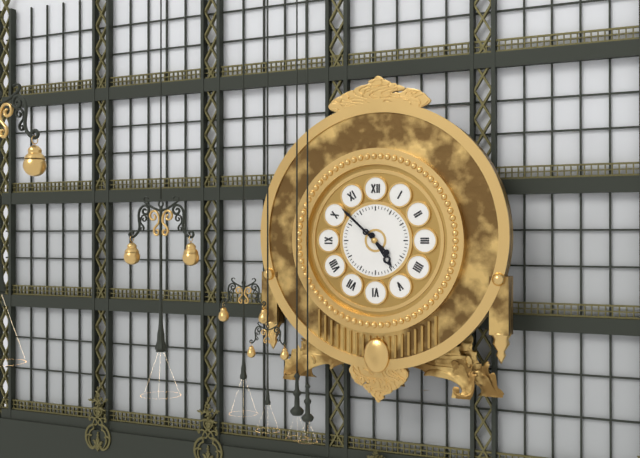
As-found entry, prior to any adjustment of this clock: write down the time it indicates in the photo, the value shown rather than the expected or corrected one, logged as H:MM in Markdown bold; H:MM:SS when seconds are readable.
**4:52**
